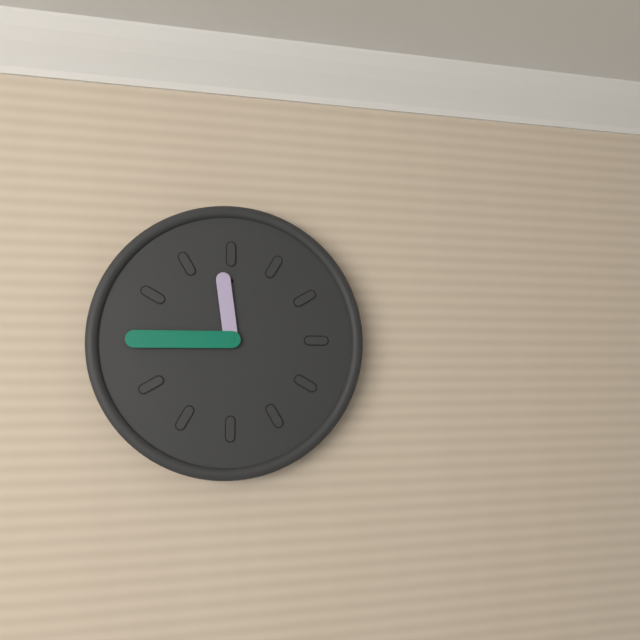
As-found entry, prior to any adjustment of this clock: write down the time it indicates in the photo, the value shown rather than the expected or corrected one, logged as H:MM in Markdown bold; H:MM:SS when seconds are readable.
**11:45**
